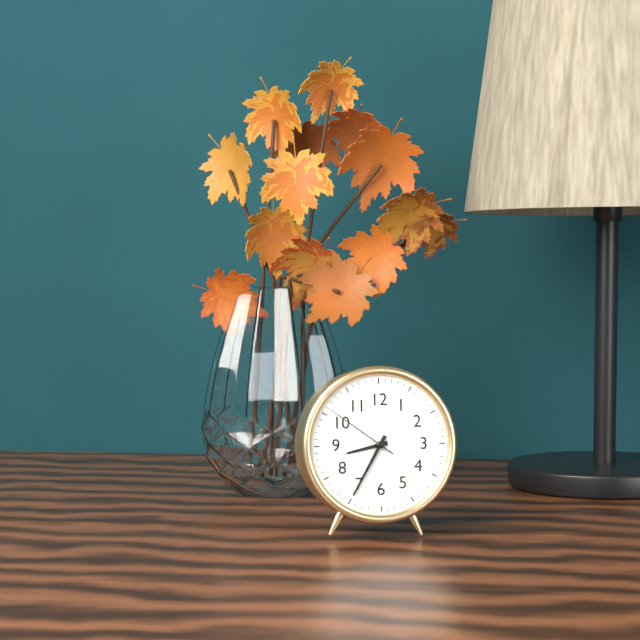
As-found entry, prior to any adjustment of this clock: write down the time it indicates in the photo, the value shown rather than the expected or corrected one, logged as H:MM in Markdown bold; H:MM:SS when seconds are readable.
**8:35:51**
